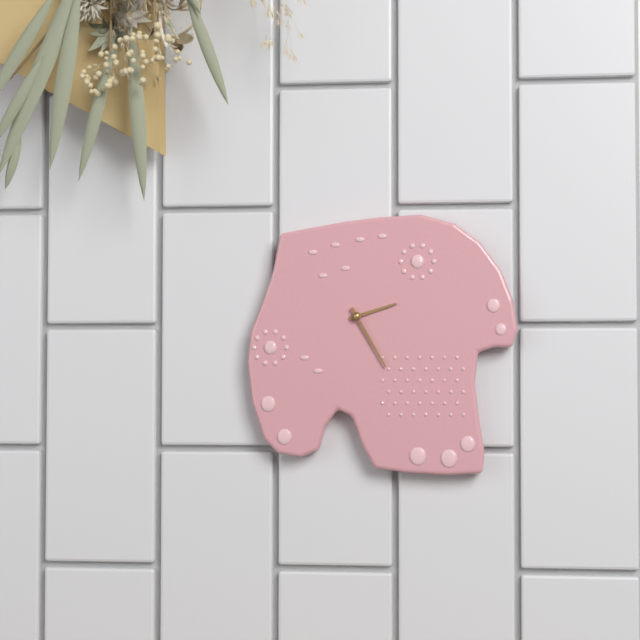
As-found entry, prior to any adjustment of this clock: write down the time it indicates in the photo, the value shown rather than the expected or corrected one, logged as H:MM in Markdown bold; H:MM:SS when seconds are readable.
**2:25**
